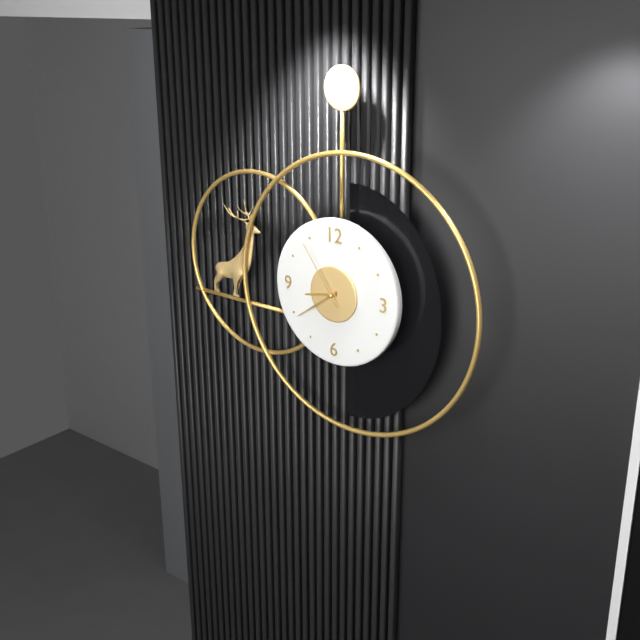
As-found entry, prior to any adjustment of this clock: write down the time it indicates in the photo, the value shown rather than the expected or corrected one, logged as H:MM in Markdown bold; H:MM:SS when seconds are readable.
**8:39:54**
